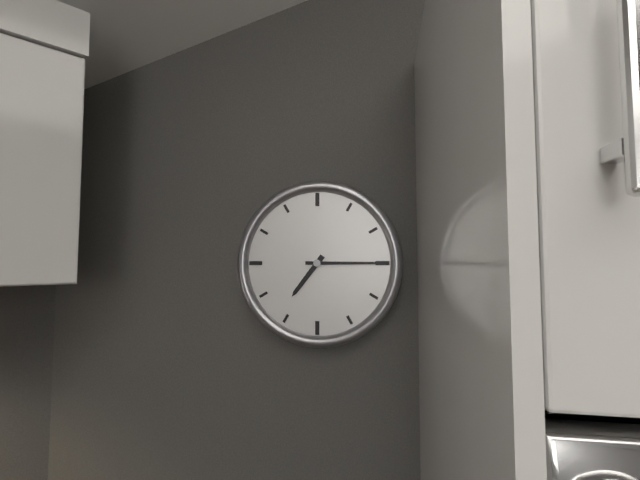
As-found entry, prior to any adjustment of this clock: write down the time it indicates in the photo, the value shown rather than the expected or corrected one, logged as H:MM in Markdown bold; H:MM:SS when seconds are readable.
**7:15**
